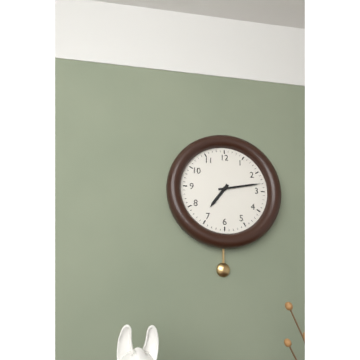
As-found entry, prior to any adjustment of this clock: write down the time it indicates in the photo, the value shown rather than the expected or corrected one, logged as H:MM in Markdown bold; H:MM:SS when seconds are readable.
**7:13**
